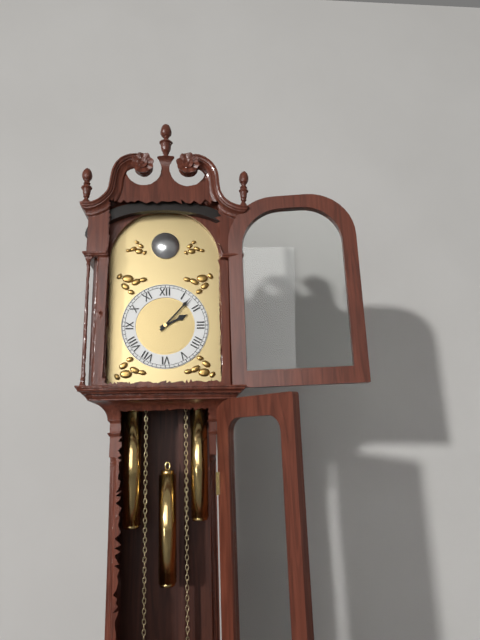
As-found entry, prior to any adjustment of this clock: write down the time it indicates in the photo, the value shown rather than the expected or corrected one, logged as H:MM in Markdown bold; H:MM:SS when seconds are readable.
**2:07**
